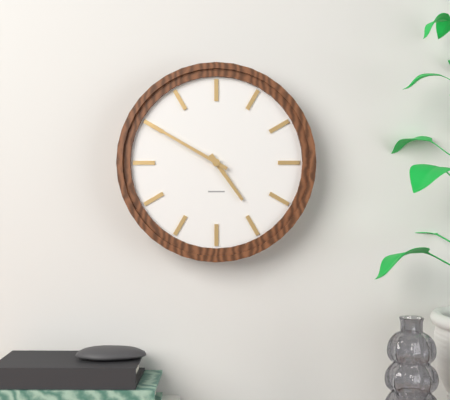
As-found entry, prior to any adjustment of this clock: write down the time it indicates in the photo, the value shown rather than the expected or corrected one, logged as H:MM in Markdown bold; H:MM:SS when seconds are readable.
**4:50**
